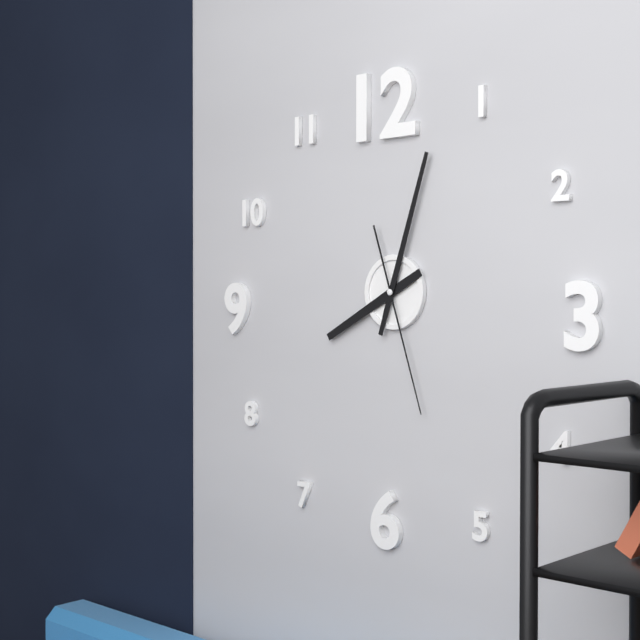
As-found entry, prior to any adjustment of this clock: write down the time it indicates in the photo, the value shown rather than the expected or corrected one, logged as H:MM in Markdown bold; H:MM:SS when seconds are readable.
**8:03:27**
